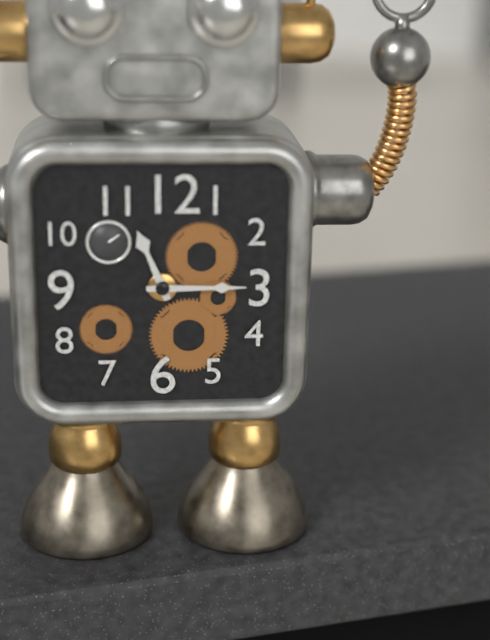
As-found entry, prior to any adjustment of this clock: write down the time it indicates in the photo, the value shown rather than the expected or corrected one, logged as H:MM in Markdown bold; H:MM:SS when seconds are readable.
**11:15**
